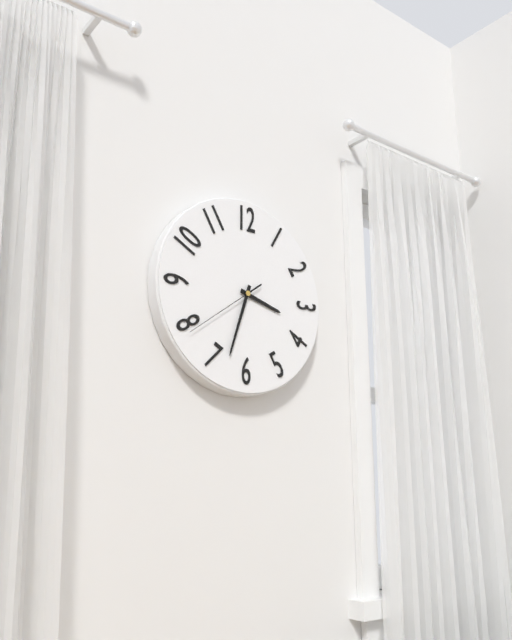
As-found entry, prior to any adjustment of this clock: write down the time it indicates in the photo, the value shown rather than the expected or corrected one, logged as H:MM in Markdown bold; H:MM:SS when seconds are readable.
**3:33:39**
